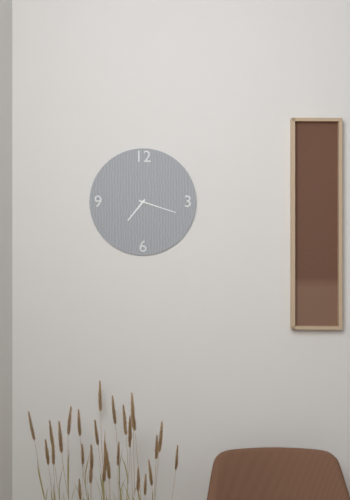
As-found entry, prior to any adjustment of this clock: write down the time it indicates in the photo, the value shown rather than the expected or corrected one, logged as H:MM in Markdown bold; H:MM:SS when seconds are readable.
**7:18**
